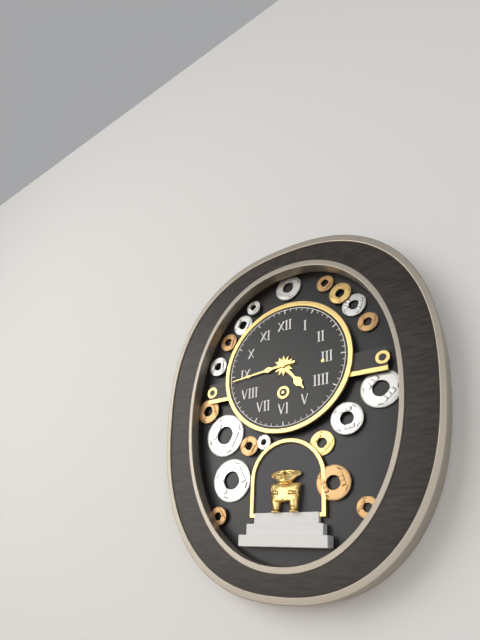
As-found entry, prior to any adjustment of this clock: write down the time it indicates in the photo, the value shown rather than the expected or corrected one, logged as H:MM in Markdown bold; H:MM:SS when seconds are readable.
**4:44**
